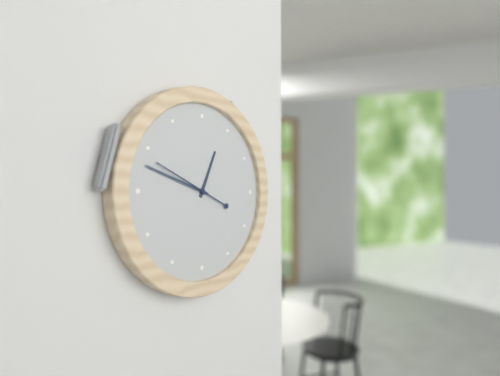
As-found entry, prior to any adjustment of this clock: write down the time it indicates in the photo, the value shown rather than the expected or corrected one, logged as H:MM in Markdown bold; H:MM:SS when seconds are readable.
**12:48:49**
